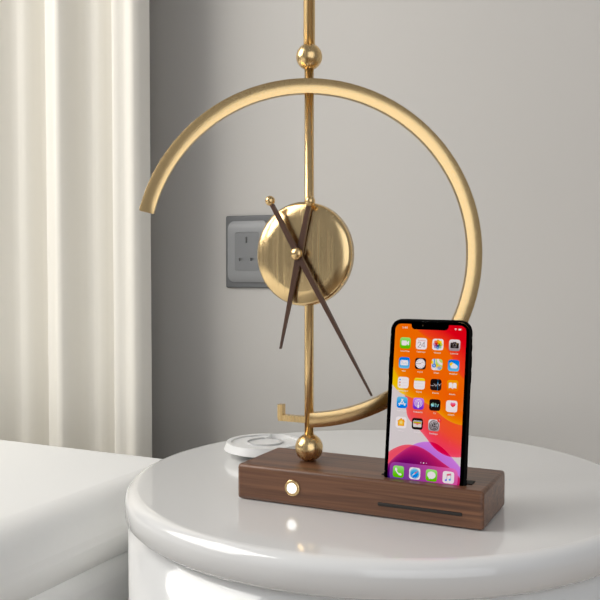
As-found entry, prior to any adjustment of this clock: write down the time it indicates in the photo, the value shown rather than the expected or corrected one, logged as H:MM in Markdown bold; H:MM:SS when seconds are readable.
**6:25**
